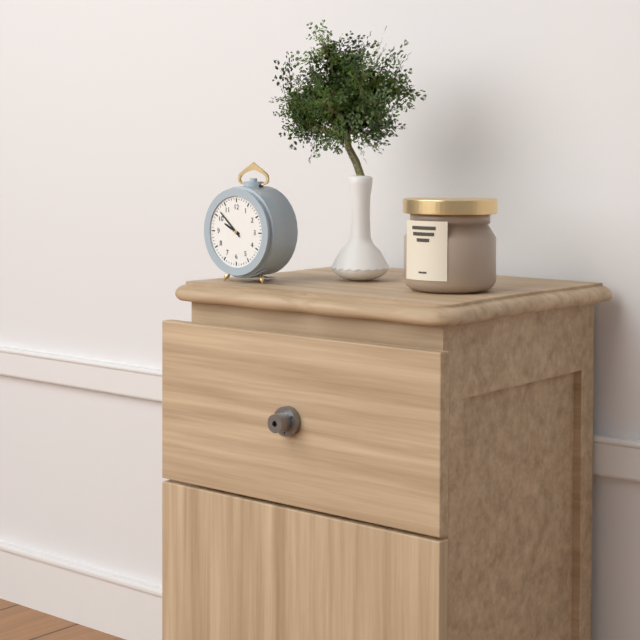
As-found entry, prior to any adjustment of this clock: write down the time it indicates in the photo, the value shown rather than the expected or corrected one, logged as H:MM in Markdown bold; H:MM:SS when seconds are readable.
**9:52**
